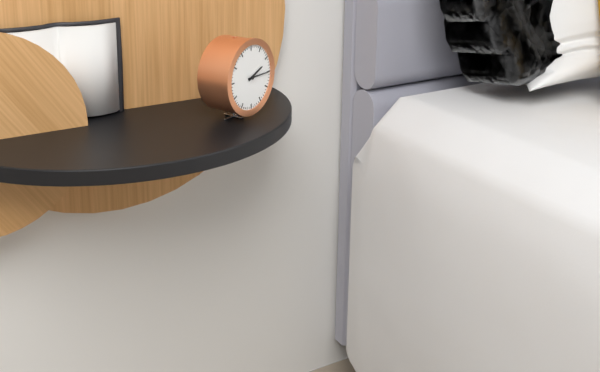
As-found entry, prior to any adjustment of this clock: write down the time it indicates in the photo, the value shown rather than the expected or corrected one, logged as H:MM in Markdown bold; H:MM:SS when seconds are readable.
**2:15**
